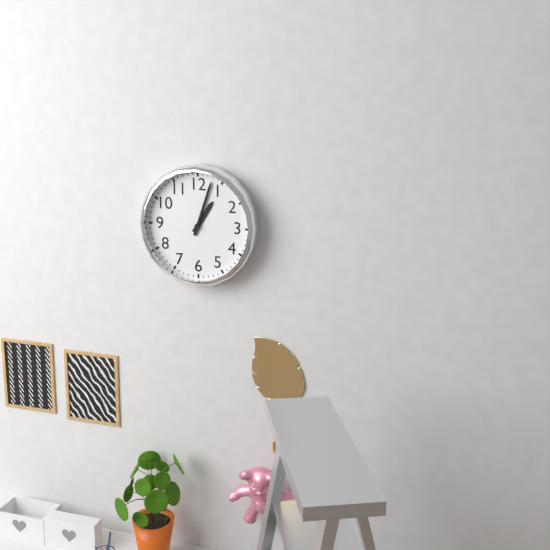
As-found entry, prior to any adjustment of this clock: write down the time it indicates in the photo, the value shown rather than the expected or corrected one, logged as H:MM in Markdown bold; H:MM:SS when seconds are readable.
**1:03**
